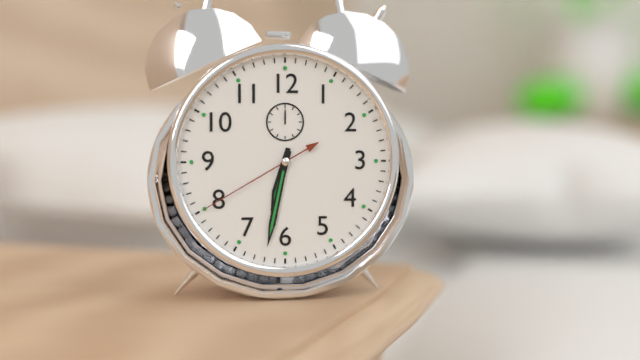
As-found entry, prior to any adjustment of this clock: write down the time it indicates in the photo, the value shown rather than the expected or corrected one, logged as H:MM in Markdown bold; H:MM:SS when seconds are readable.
**6:32:40**
